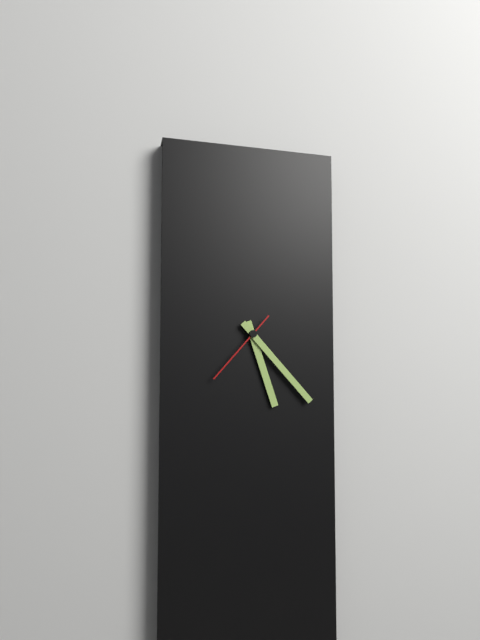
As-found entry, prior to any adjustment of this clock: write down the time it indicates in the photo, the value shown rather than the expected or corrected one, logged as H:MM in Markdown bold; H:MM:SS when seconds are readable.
**5:23:37**
